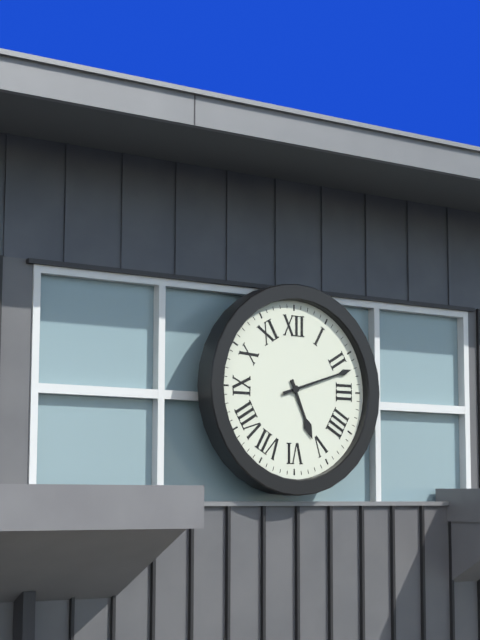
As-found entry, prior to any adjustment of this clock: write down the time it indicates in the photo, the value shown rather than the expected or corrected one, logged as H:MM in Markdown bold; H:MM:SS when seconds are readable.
**5:12**
